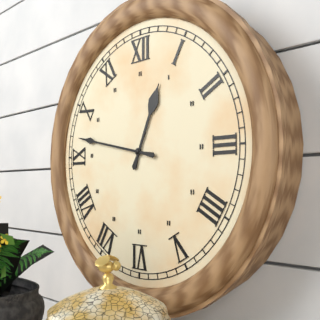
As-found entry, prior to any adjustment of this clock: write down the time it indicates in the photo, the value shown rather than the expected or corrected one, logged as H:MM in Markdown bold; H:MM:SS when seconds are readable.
**12:47**
